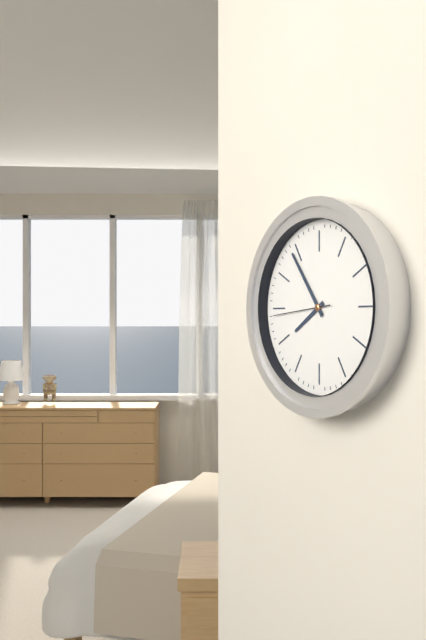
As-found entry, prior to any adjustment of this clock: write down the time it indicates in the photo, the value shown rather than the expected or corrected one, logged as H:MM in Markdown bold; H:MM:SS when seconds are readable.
**7:54:44**
